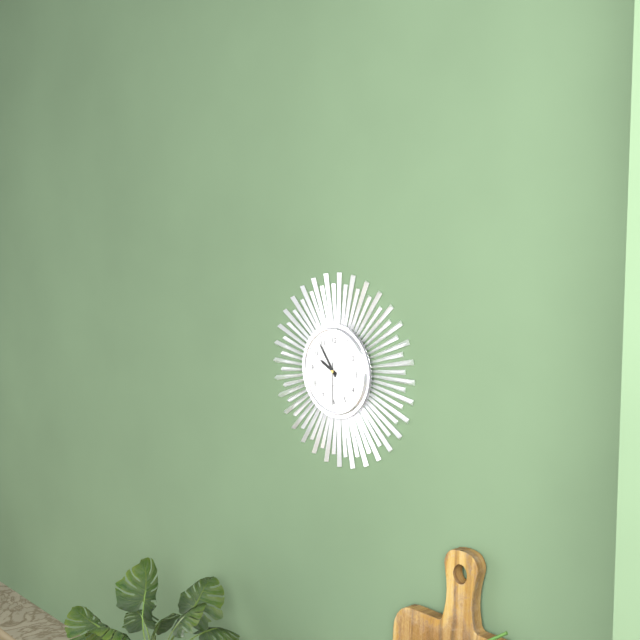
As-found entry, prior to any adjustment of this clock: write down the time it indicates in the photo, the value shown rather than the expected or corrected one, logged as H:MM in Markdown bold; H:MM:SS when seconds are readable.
**9:54**
